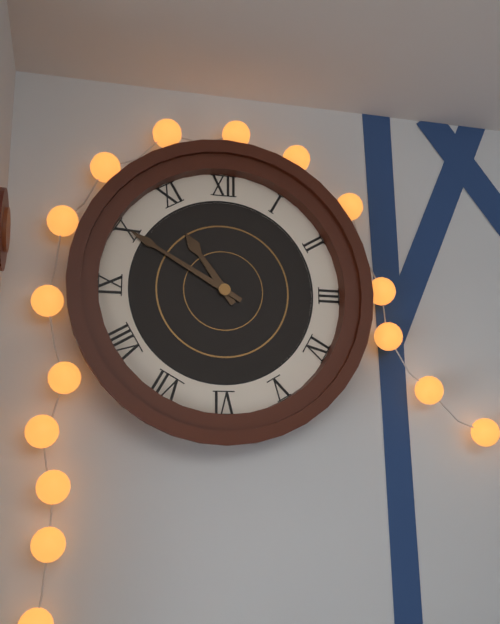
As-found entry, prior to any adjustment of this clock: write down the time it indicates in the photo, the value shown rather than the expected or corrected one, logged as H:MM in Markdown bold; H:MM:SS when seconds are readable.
**10:50**
